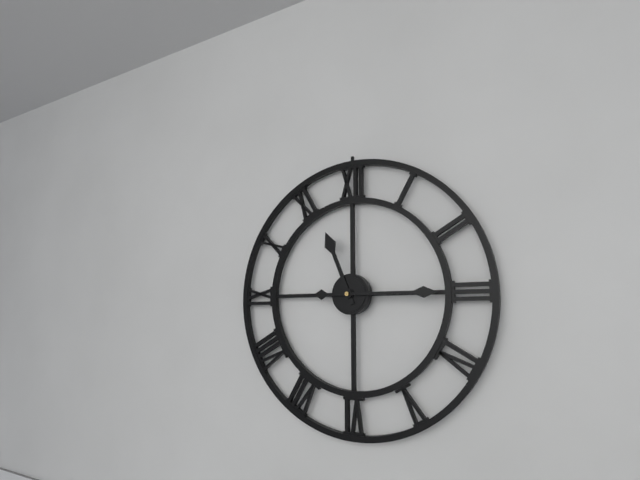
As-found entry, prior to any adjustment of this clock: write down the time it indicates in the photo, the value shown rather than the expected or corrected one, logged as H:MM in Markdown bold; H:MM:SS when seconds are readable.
**11:15**
